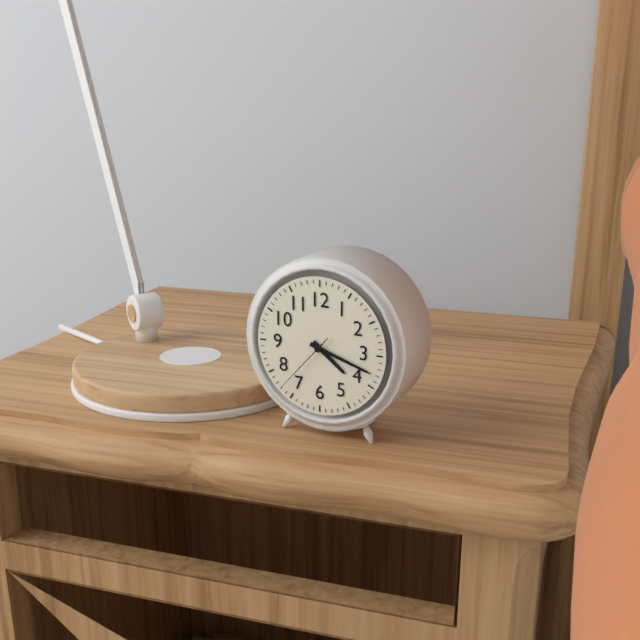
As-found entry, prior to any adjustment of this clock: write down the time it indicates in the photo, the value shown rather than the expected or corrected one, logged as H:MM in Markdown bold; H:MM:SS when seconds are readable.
**4:18:37**
